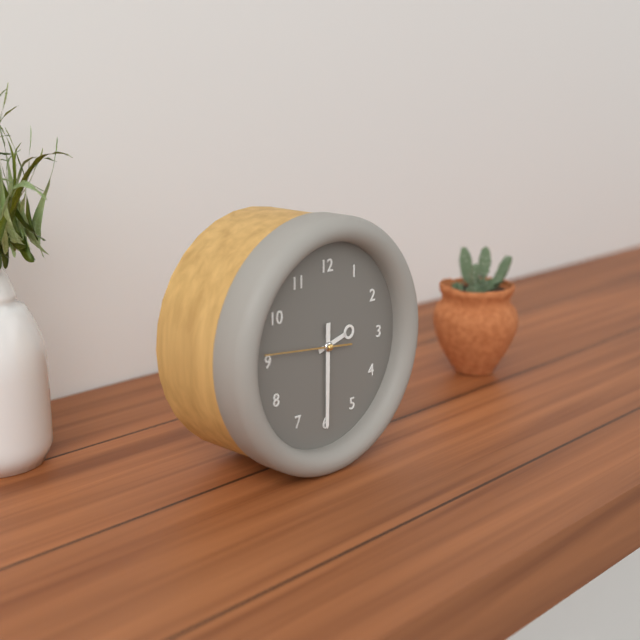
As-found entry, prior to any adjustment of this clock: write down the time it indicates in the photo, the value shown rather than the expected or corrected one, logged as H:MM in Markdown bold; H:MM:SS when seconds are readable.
**2:30**
